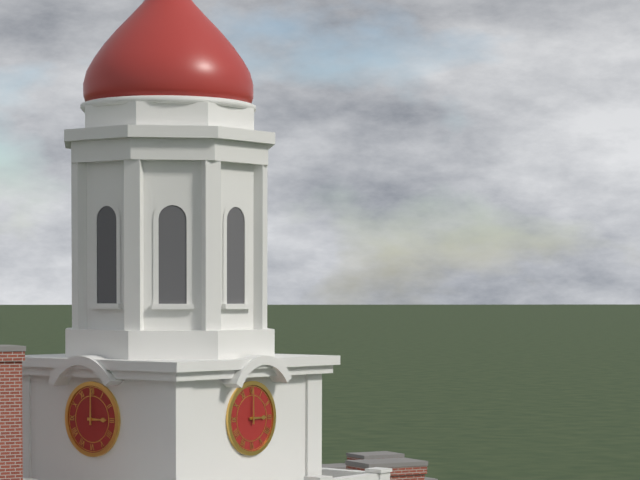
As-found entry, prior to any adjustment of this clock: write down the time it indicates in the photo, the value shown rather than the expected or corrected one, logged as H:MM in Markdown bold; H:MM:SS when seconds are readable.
**3:00**
